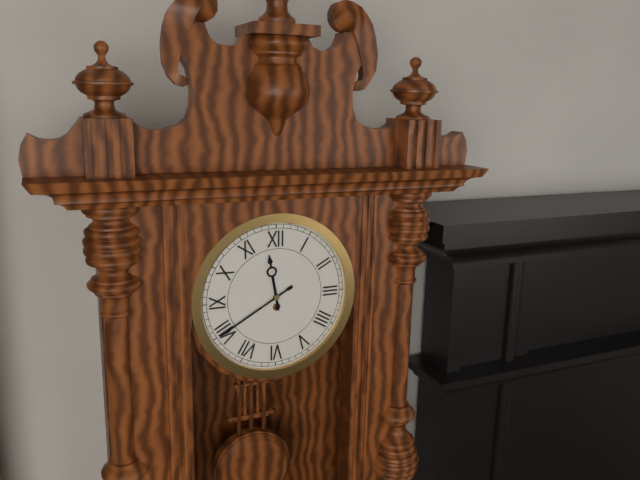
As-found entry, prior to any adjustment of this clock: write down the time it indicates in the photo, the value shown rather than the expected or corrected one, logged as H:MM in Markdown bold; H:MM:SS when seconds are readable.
**11:40**
